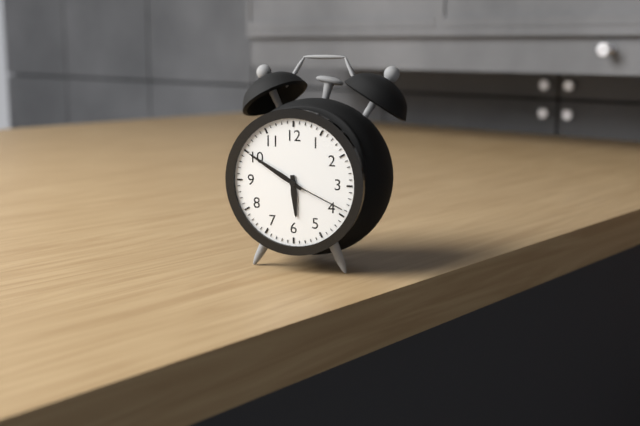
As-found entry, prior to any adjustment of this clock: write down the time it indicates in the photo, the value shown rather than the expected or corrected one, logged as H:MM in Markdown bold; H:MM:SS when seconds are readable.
**5:50:19**
